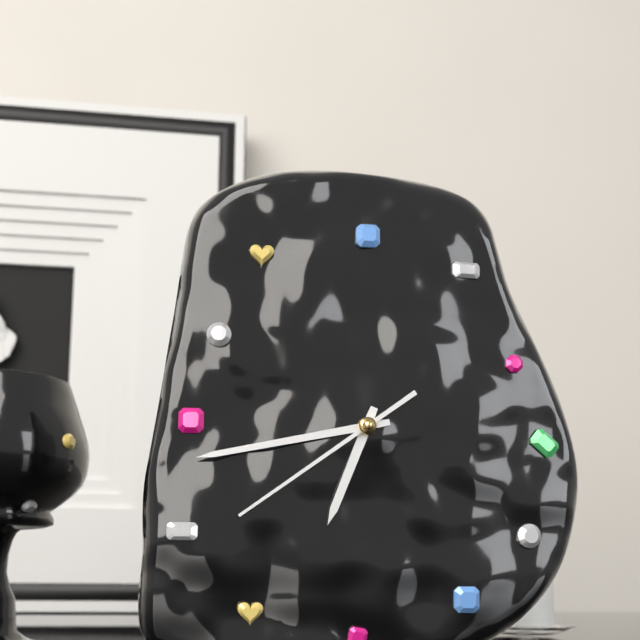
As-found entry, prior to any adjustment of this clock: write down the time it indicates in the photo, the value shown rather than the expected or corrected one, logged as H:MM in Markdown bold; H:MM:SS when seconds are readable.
**6:43:39**
